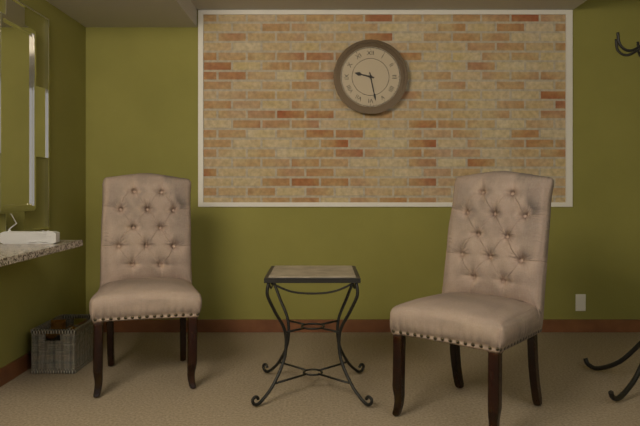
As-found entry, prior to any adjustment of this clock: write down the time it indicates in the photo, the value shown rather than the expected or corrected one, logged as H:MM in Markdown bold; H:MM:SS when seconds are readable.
**9:28**
